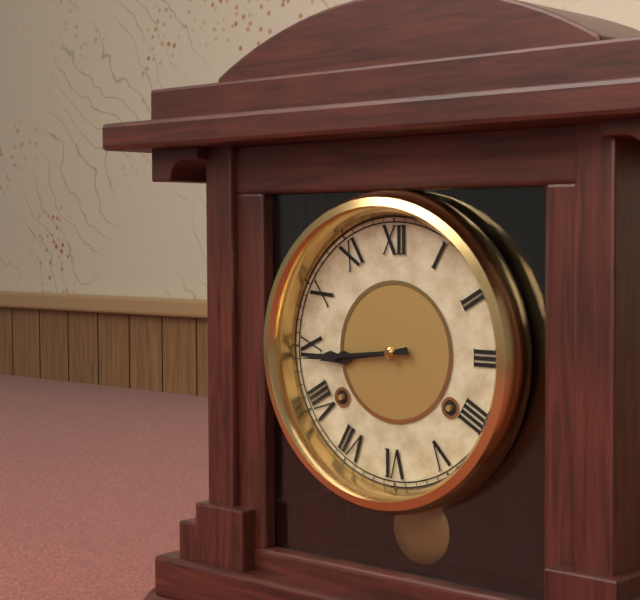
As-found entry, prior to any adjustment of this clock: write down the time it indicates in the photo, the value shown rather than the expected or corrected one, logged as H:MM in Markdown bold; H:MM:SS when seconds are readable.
**8:44**
